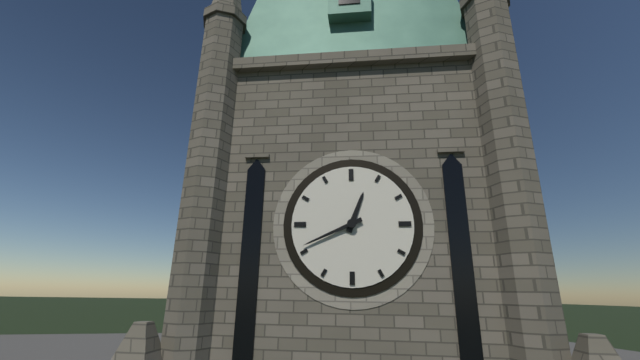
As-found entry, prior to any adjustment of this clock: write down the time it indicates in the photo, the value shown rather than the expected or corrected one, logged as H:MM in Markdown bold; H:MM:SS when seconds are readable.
**12:41**
